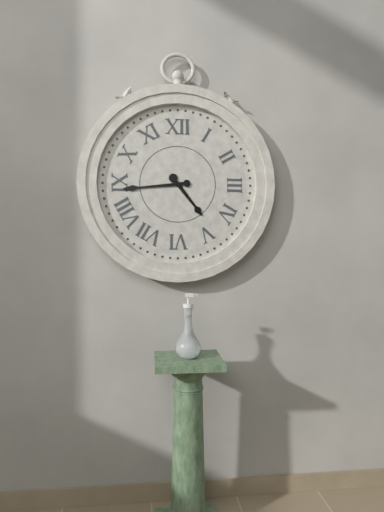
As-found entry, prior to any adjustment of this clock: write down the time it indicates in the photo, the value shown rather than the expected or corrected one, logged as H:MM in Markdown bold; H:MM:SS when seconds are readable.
**4:44**
